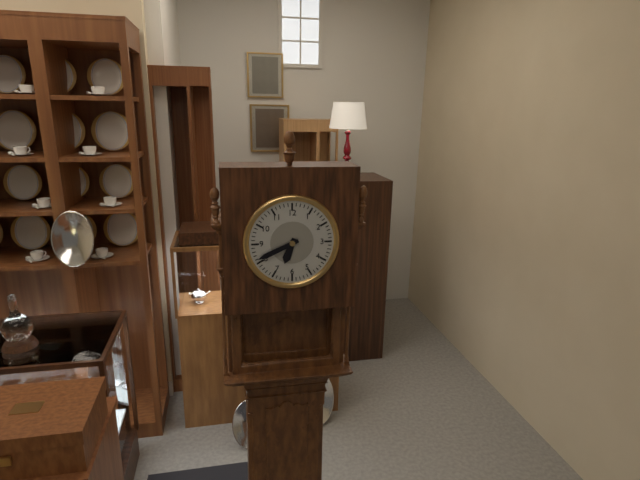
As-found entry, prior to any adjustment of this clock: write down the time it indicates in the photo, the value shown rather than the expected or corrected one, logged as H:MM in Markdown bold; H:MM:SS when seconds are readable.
**6:41**
